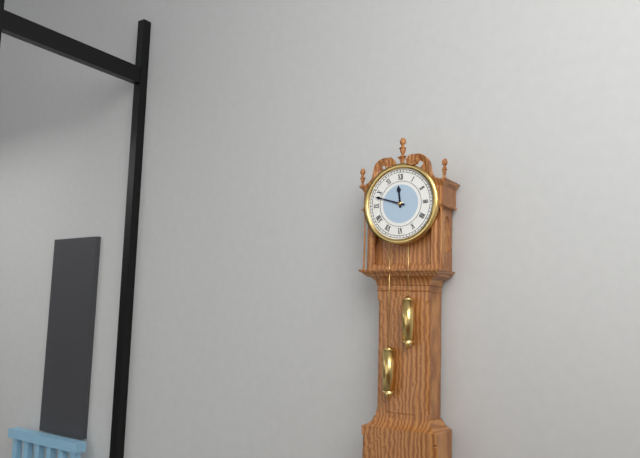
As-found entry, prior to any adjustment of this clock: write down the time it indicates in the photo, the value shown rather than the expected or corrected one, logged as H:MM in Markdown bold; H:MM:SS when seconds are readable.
**11:48**
